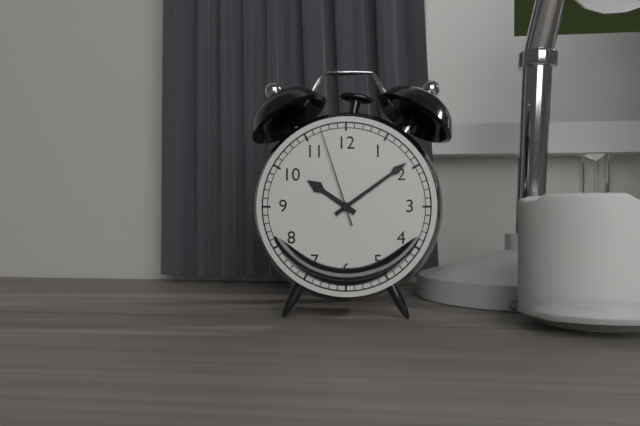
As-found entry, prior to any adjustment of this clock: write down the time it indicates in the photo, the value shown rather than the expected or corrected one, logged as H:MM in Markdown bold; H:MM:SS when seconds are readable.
**10:09:57**
